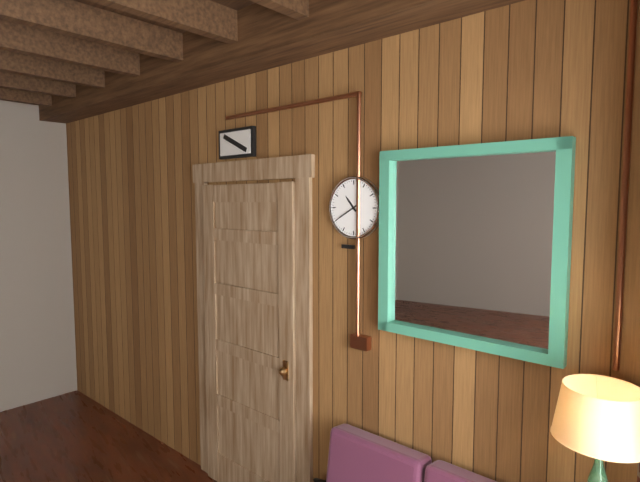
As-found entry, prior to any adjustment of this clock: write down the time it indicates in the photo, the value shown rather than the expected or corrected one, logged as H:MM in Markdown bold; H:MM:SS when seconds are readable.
**10:40**
